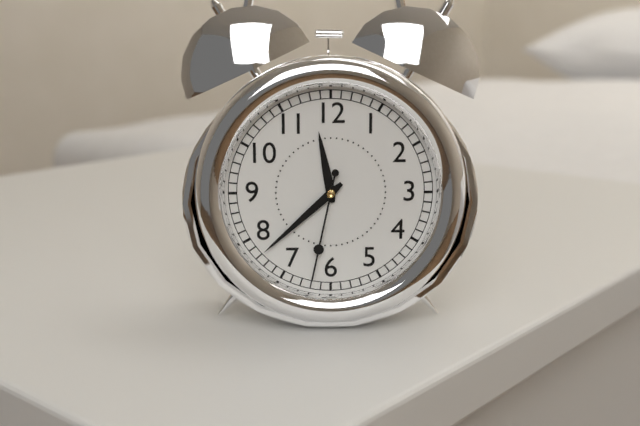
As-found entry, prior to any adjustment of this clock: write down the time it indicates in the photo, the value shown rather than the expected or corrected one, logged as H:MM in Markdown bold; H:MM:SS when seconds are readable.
**11:38:32**
